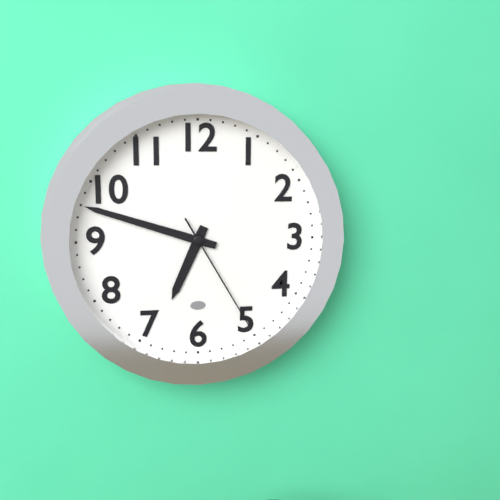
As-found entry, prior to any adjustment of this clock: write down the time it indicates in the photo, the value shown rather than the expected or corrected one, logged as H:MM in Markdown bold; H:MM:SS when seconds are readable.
**6:48:25**
